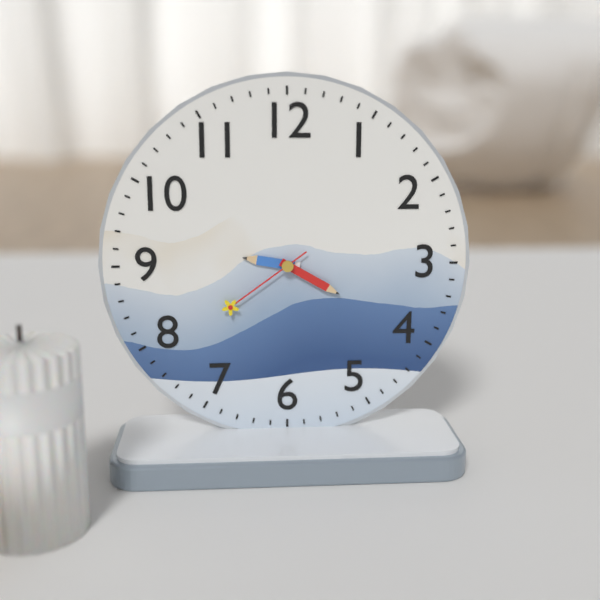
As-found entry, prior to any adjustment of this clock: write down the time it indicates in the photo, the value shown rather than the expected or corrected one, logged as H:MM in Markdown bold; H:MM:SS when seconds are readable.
**9:20:39**
